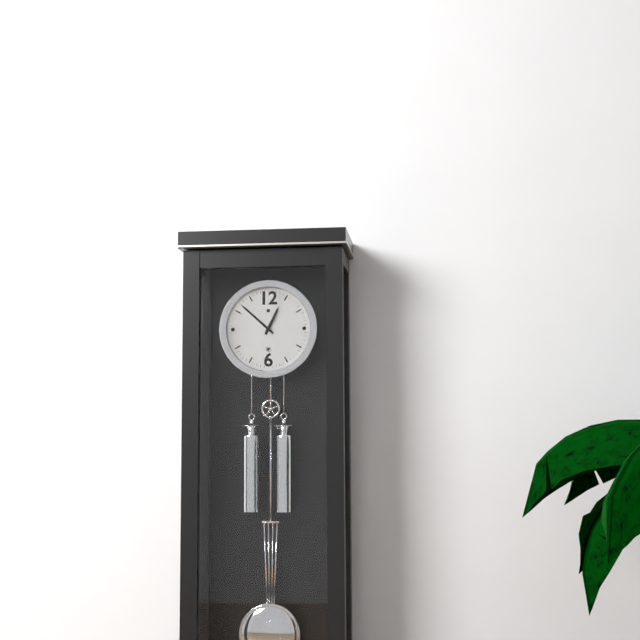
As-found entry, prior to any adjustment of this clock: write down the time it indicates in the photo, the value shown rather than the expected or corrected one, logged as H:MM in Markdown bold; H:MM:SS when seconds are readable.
**12:52**
